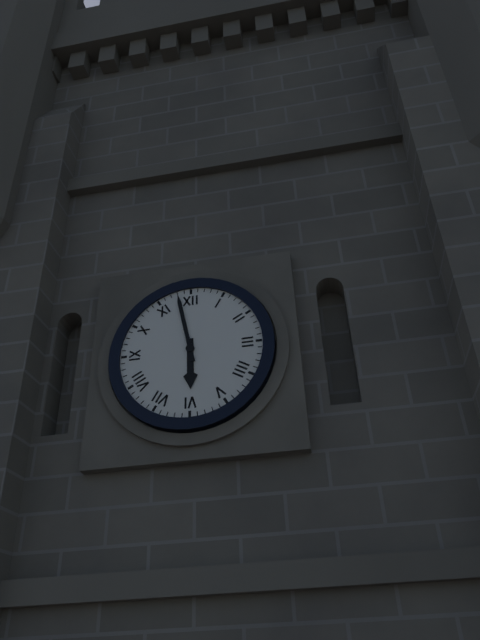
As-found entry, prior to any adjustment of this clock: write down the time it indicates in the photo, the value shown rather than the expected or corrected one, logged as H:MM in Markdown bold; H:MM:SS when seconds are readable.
**5:58**
